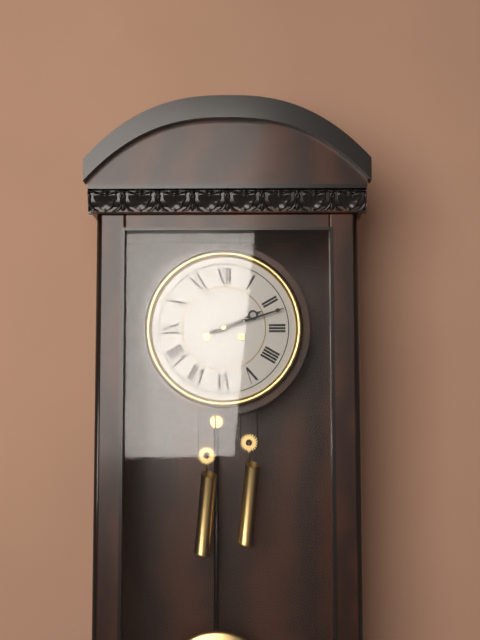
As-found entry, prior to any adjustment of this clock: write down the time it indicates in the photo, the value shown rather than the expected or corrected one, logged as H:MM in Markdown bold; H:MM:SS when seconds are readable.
**2:12**
